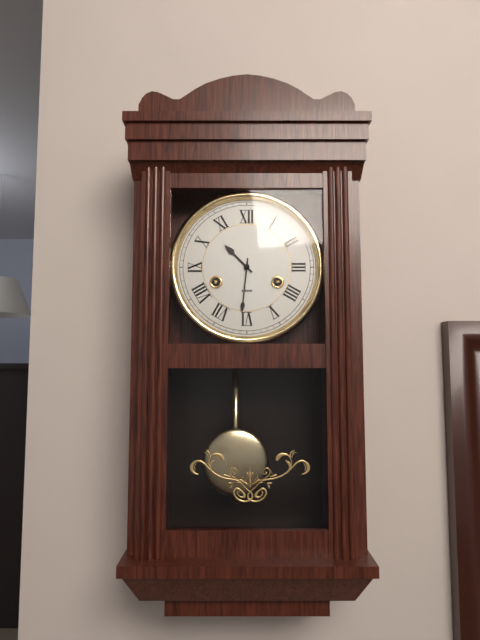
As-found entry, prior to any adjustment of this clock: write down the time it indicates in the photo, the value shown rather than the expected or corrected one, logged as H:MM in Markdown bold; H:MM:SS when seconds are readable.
**10:31**
